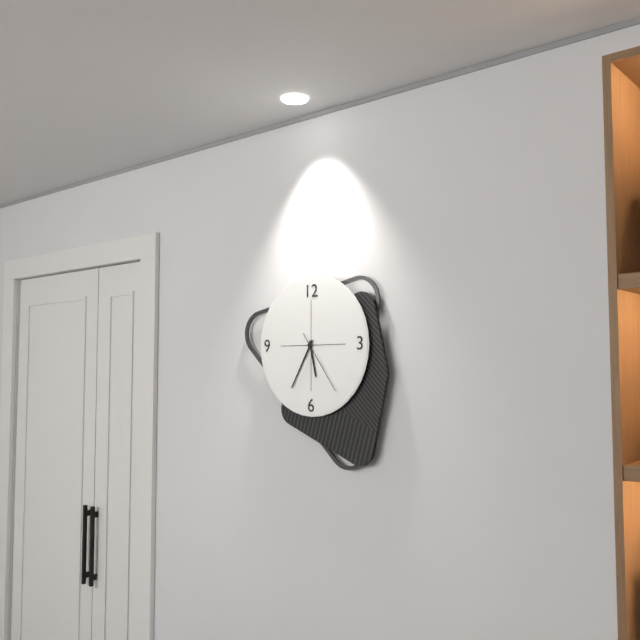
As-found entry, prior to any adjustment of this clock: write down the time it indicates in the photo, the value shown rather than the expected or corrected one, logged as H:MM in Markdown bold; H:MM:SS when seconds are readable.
**5:35:24**
